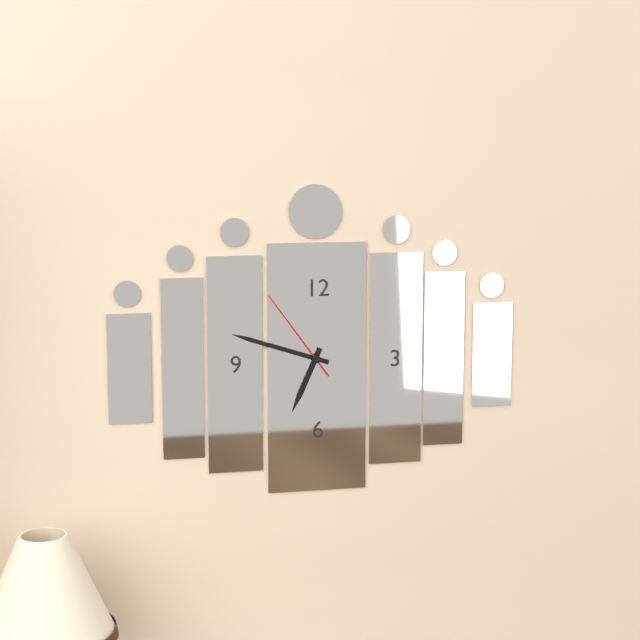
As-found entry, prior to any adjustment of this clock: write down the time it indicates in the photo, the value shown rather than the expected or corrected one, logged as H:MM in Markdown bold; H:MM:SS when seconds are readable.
**6:48:54**
